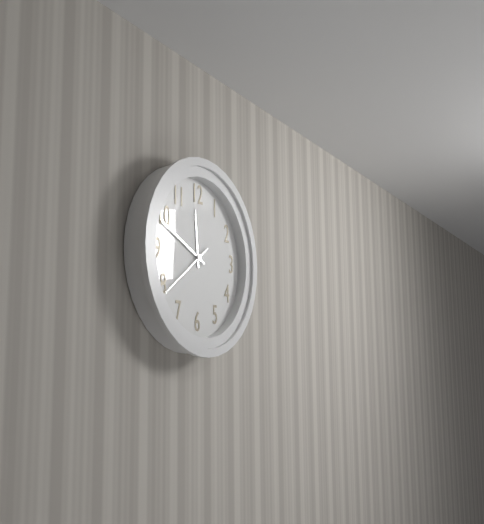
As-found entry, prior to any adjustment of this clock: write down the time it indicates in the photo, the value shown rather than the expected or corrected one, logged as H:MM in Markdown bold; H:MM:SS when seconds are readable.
**11:49:39**
